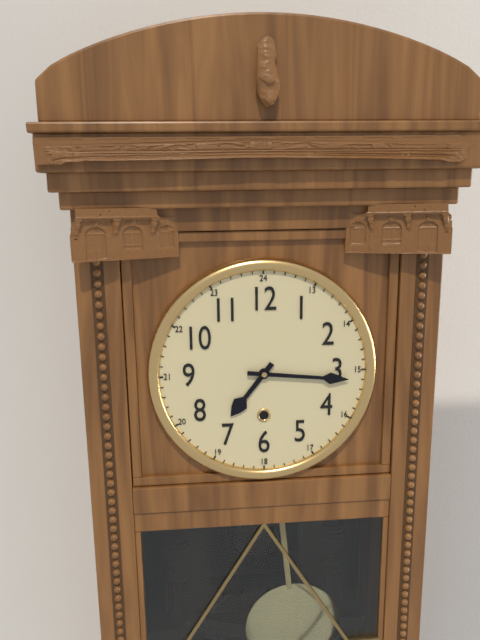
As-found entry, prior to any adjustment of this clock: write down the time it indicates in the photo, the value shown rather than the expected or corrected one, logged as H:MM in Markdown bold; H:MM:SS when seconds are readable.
**7:16**
